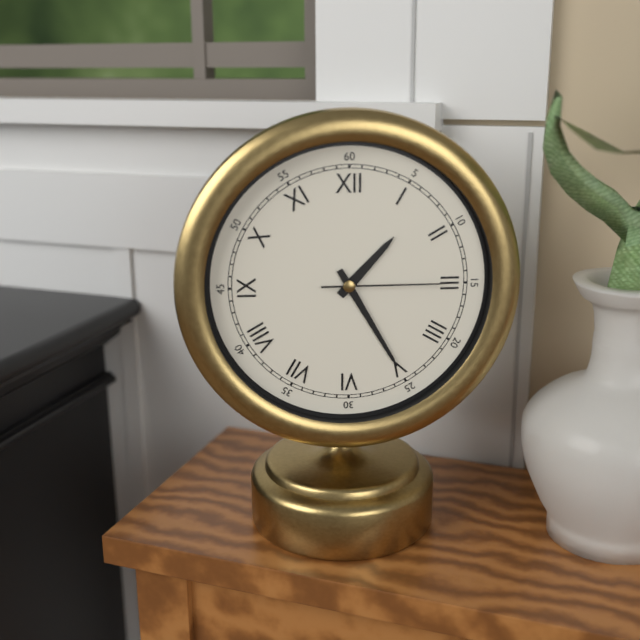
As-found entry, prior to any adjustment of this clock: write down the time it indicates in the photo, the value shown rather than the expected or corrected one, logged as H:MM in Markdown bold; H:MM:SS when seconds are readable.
**1:25:15**
